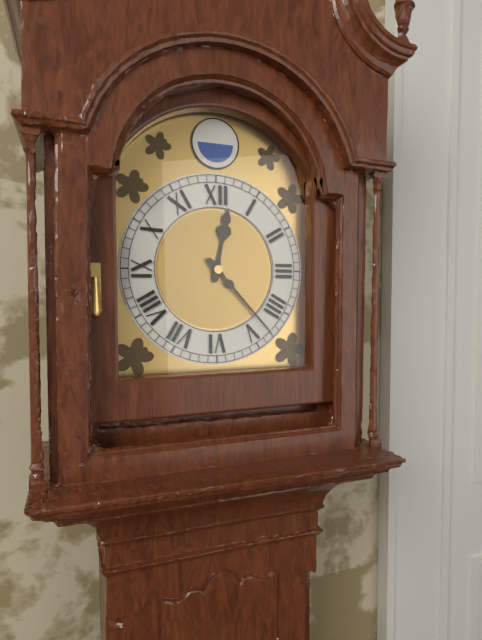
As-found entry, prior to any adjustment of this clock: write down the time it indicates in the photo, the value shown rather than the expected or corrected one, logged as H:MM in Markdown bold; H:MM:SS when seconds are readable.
**12:23**
